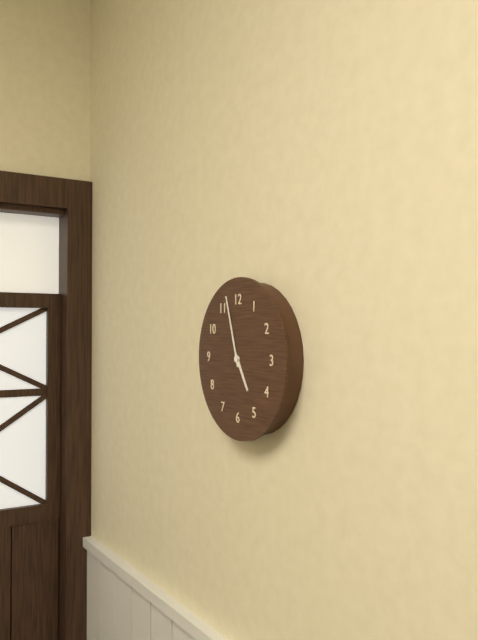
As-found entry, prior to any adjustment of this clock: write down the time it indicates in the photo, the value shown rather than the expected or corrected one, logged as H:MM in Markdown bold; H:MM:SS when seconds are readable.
**4:57**
